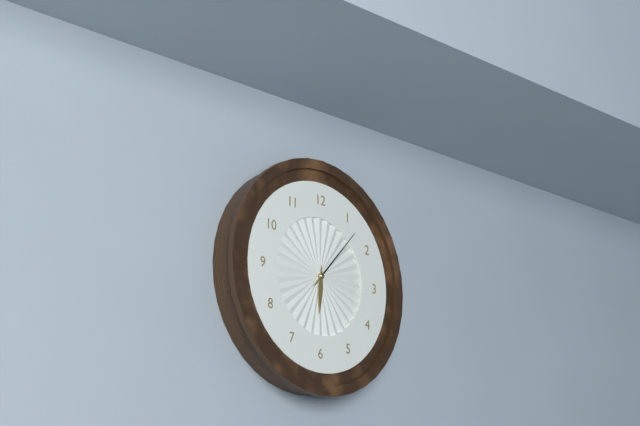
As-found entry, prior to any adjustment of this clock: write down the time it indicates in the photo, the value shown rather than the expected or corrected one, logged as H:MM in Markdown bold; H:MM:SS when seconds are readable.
**6:07**
